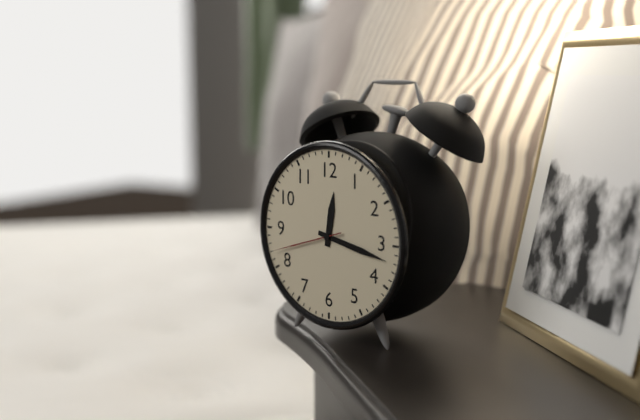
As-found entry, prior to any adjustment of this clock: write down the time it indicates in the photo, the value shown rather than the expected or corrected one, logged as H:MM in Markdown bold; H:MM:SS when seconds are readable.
**12:17:42**
